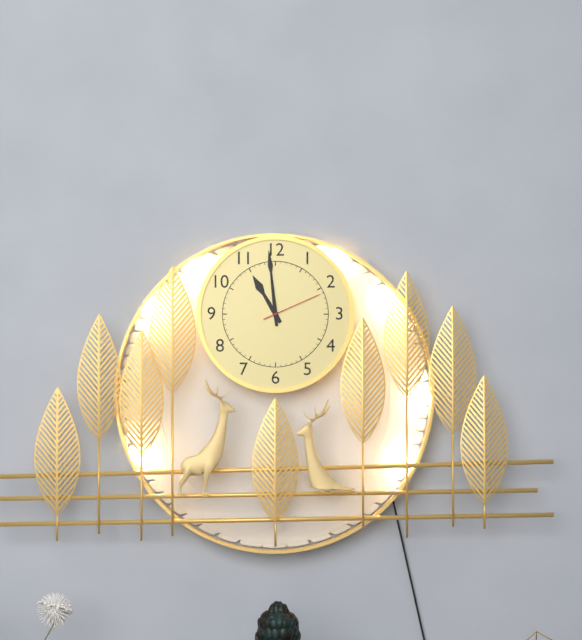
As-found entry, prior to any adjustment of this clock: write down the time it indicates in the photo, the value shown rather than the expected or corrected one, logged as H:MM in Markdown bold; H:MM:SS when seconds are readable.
**10:59:11**
